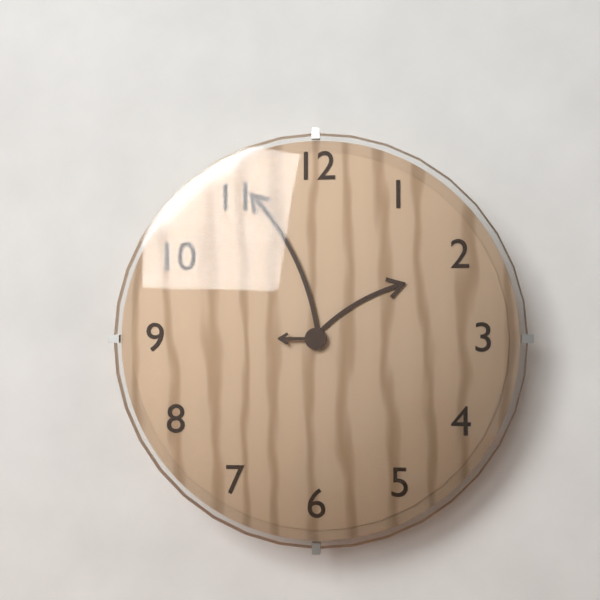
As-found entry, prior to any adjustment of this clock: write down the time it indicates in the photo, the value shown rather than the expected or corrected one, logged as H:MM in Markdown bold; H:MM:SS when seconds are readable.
**1:56**
